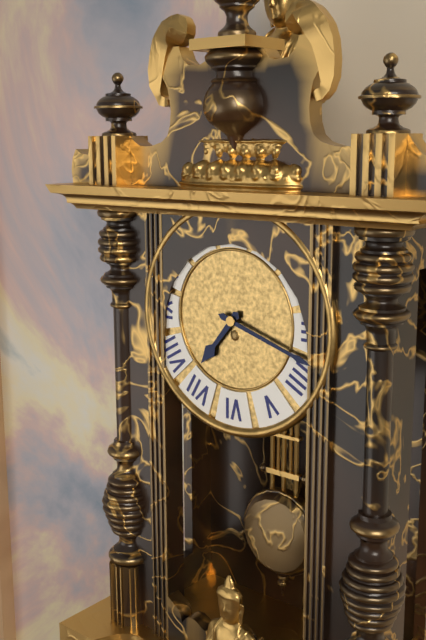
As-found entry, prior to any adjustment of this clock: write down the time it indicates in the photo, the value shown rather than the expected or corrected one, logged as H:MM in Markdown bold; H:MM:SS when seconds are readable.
**7:18**
